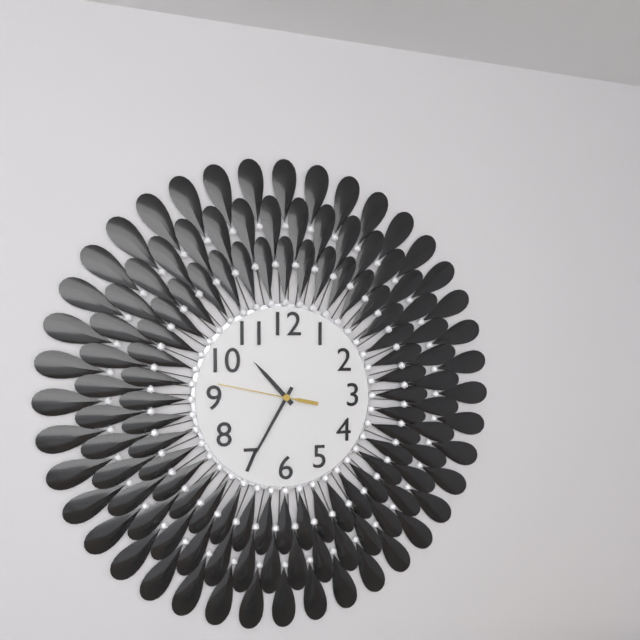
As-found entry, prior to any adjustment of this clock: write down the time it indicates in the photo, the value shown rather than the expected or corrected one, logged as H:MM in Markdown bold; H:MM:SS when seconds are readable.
**10:35:47**
